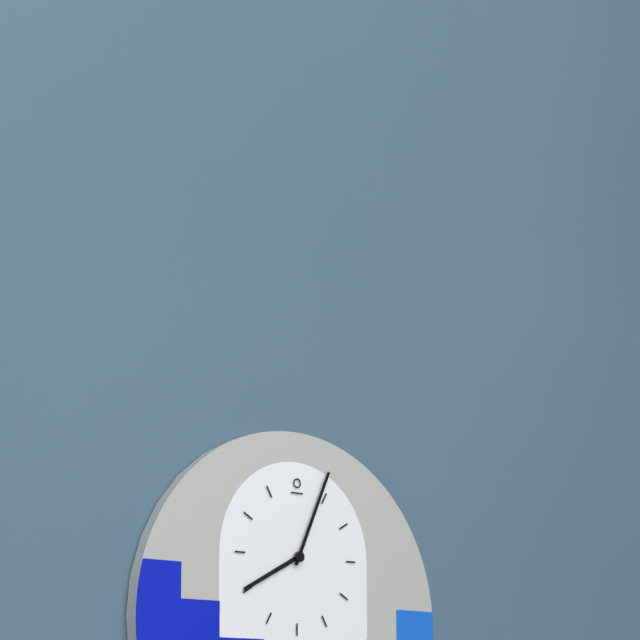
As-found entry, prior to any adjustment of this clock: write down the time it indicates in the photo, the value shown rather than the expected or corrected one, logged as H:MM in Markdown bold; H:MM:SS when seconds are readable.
**8:04**
